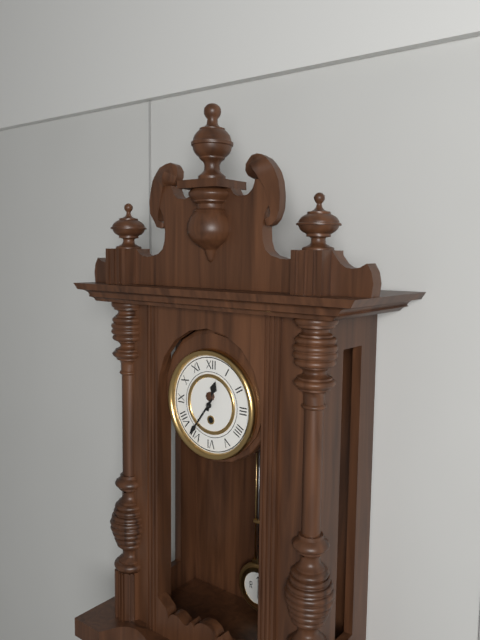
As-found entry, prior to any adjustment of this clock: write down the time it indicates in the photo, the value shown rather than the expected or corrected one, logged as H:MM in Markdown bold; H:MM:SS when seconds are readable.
**12:36**
